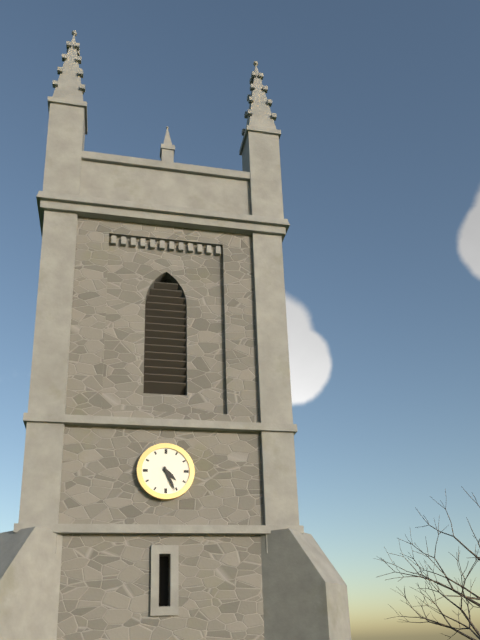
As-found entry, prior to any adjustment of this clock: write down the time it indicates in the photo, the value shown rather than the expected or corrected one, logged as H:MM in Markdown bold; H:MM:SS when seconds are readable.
**4:26**
